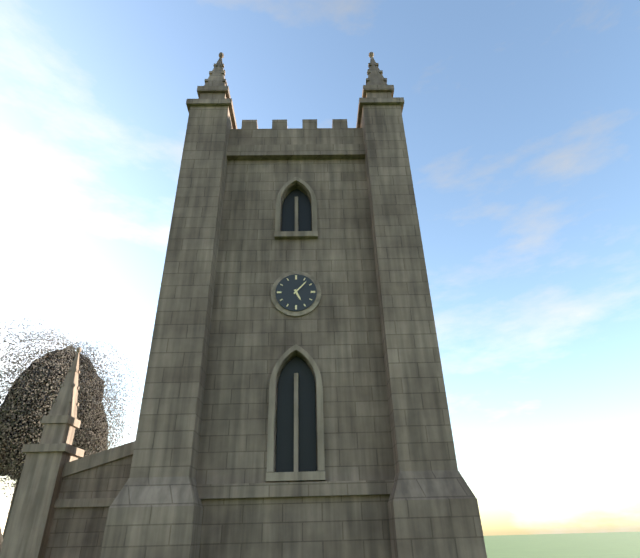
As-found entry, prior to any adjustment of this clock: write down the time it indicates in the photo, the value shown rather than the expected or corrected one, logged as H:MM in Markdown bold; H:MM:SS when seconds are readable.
**5:07**
